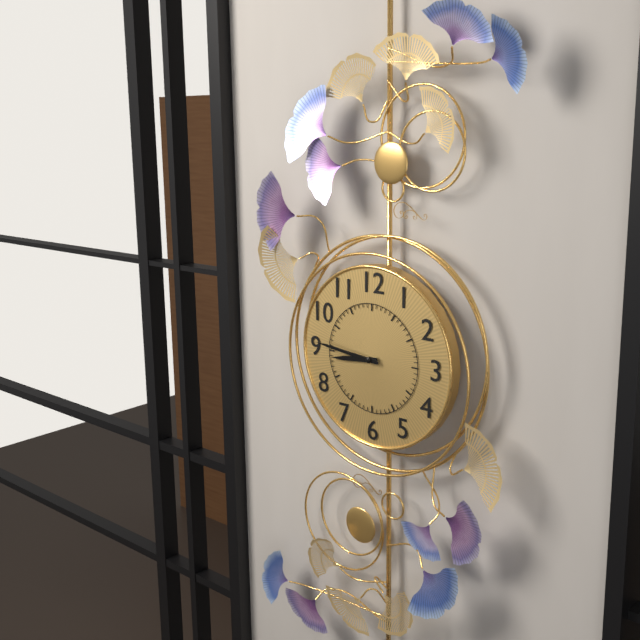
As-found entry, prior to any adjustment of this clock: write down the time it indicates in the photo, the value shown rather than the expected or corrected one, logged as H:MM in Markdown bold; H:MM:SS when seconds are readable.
**8:46**
